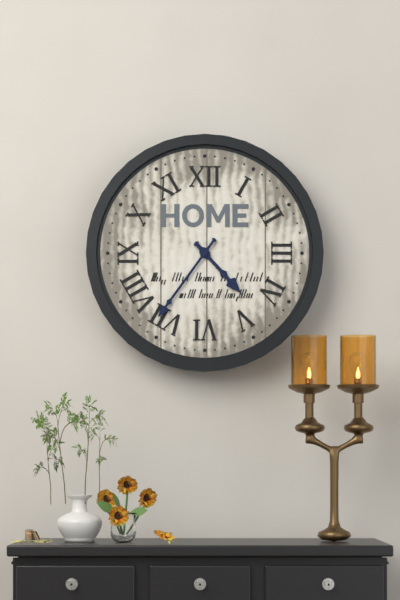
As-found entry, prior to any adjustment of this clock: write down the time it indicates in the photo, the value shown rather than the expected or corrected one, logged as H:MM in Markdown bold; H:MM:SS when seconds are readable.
**4:36**
